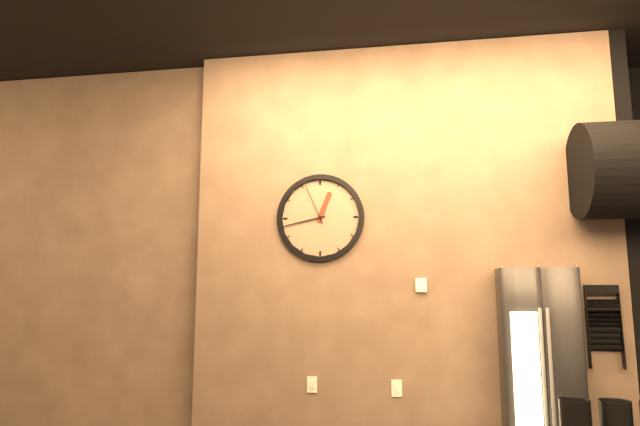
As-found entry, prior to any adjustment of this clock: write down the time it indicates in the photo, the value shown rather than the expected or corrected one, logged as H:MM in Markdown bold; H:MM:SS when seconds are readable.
**12:43**
